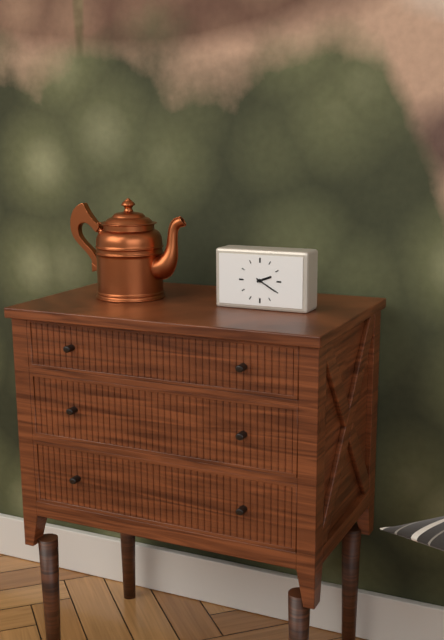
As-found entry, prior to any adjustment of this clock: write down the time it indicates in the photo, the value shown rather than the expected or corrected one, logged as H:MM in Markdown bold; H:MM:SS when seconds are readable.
**2:20**
